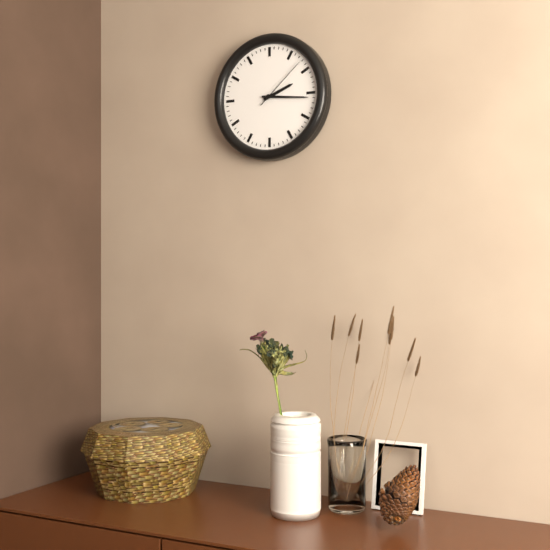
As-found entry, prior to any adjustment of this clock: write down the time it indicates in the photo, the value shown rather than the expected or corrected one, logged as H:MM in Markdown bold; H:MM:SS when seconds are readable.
**2:16:08**
